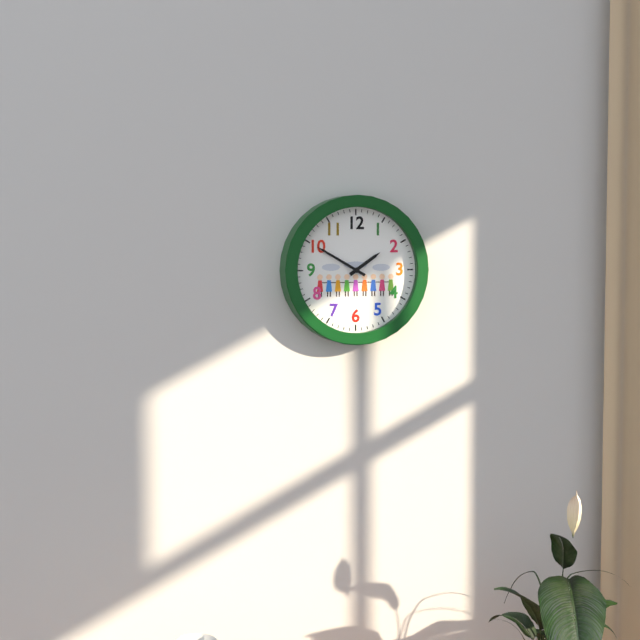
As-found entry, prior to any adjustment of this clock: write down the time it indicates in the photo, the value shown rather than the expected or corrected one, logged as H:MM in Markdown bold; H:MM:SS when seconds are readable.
**1:50**
